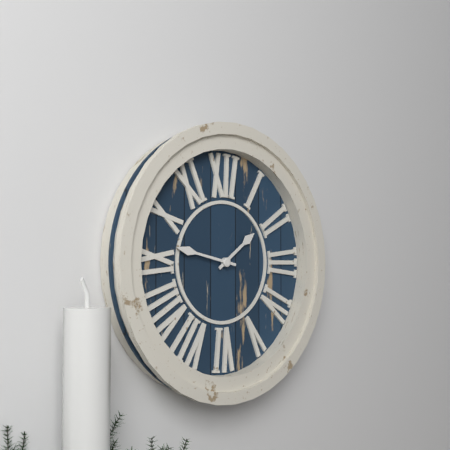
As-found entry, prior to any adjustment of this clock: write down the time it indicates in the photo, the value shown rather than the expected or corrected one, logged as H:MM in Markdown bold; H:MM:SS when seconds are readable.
**1:47**
